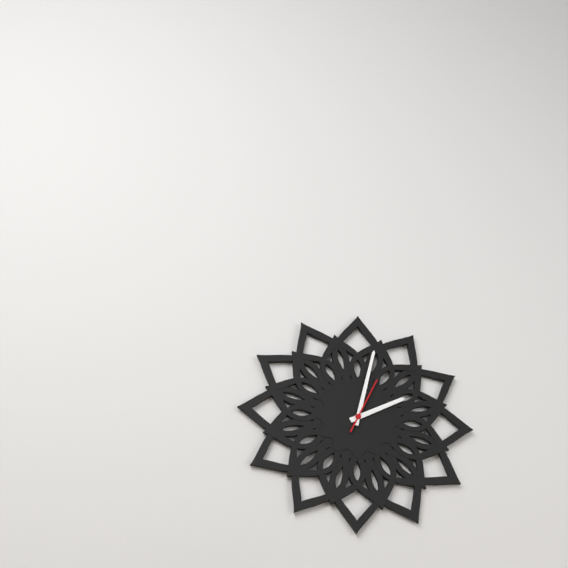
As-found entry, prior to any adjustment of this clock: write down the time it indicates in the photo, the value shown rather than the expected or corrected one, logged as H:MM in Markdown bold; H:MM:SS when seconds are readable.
**2:02:04**
